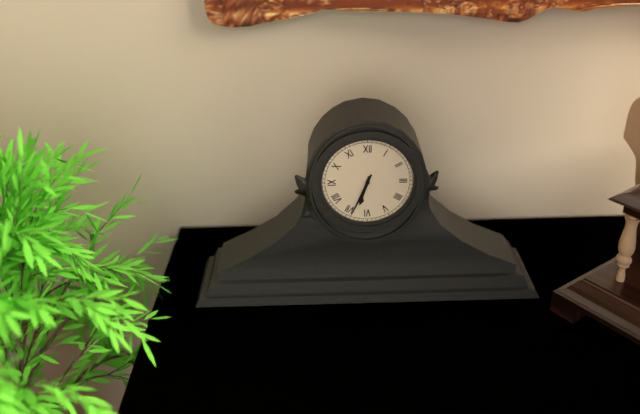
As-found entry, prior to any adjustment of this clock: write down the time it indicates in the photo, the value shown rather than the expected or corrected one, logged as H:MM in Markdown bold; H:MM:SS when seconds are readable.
**6:34**
